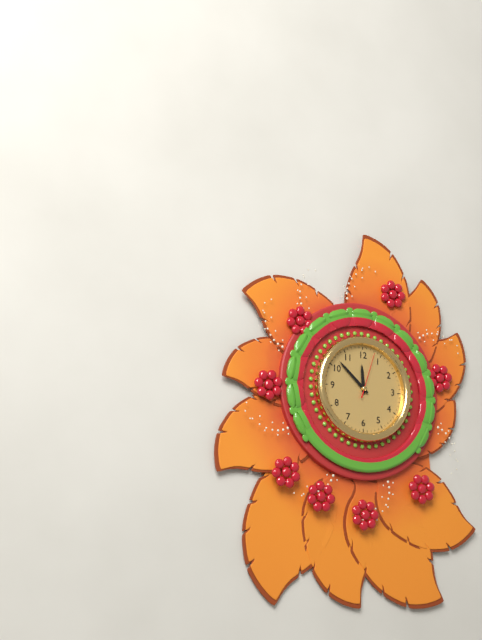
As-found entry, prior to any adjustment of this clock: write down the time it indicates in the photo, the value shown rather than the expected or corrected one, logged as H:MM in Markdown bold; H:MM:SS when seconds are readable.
**11:52**
